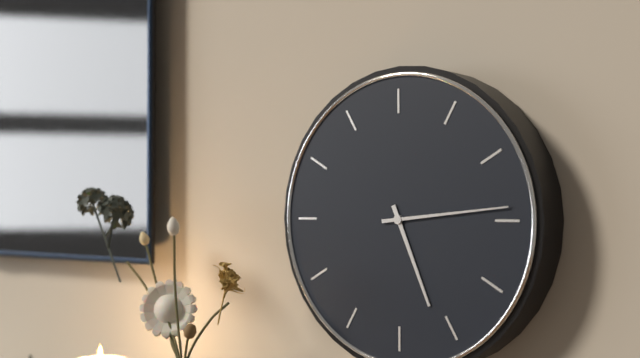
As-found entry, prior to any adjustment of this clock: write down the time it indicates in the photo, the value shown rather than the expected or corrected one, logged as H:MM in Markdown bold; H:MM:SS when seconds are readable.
**5:14**
